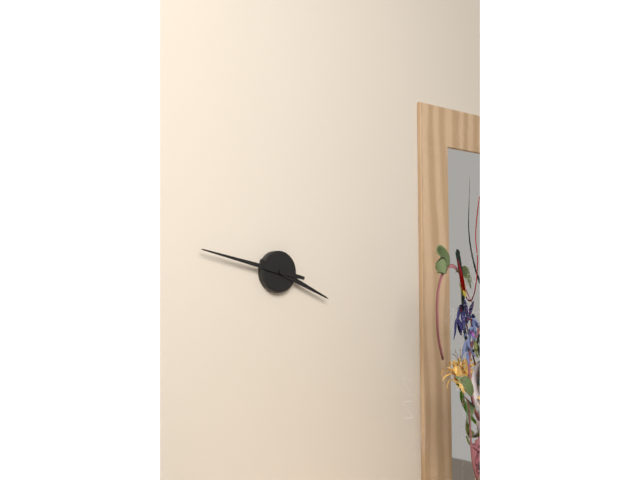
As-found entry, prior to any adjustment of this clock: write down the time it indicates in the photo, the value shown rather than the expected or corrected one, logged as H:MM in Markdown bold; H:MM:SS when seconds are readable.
**3:47**
